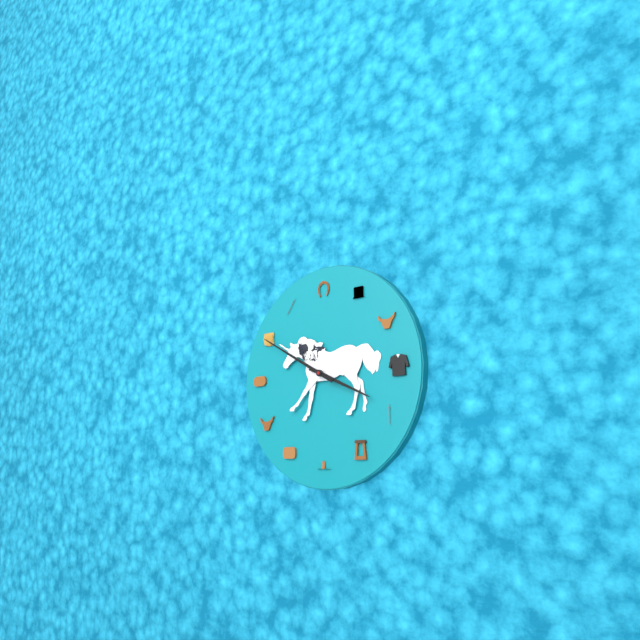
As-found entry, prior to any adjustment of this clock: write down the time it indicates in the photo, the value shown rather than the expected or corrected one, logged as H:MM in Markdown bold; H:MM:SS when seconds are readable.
**3:50**
